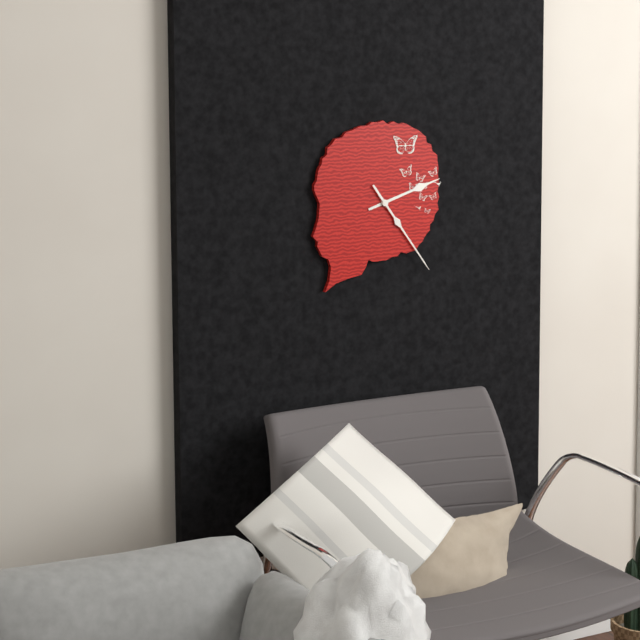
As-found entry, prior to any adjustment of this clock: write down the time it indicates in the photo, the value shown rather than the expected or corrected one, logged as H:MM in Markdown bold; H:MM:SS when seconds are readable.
**2:24**
